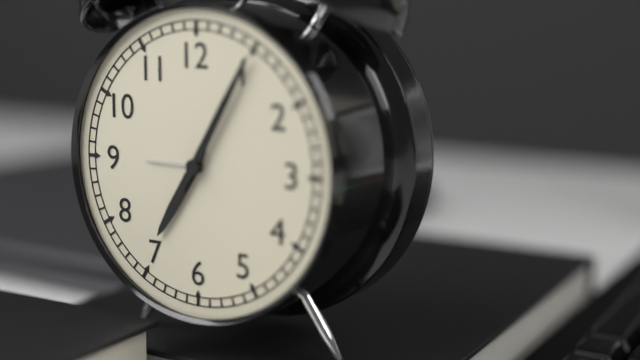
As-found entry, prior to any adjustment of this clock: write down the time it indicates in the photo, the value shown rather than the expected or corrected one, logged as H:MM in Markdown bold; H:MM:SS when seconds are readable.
**7:05**
